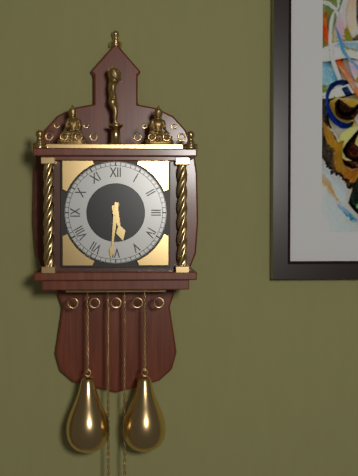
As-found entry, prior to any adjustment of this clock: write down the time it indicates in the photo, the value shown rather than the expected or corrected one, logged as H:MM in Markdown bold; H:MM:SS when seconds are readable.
**5:31**
